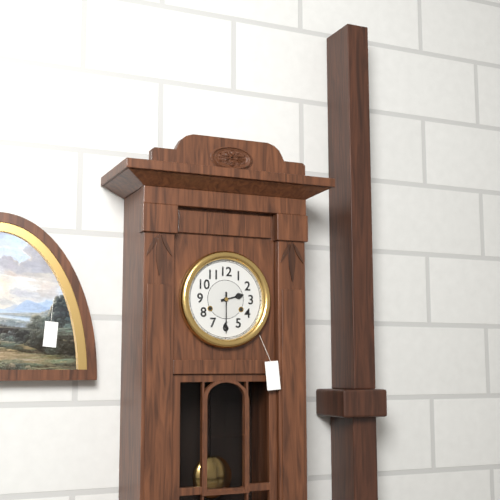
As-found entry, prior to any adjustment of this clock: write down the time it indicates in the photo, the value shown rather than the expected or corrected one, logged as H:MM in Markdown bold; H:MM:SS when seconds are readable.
**2:30**
